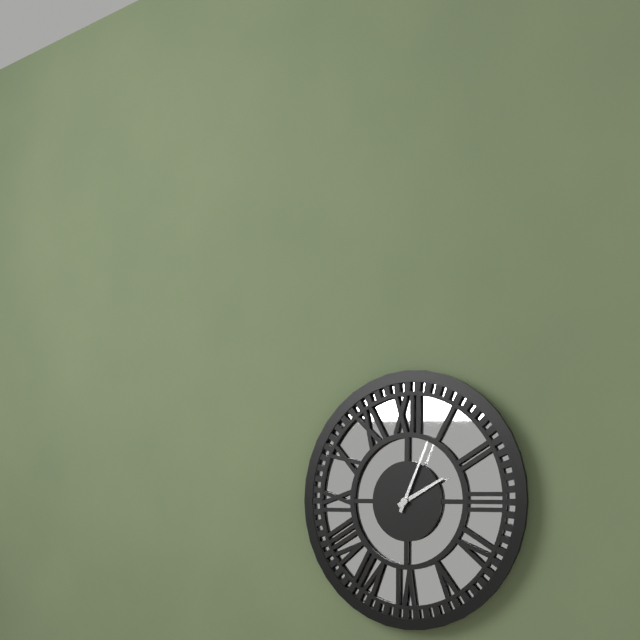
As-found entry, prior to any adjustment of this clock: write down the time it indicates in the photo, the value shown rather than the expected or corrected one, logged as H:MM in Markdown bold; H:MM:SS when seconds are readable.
**2:04**
